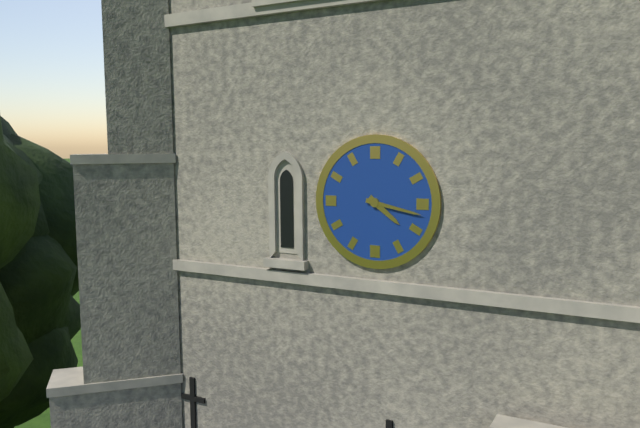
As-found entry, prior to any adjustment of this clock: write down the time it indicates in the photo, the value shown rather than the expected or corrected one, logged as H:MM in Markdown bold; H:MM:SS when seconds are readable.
**4:17**
